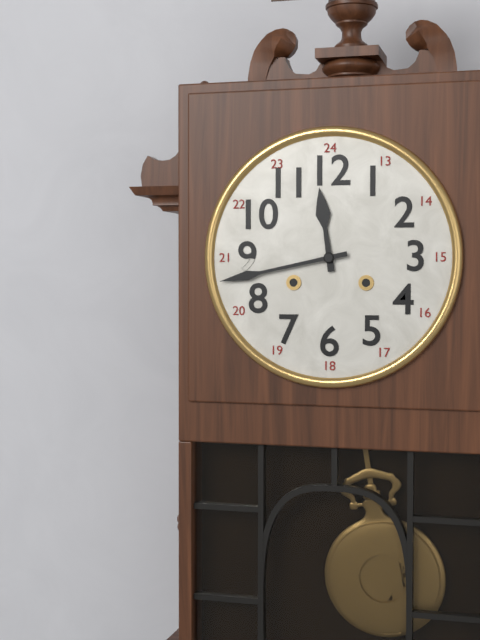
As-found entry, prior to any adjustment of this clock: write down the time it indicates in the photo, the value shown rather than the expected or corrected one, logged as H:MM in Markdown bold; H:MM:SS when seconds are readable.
**11:43**
